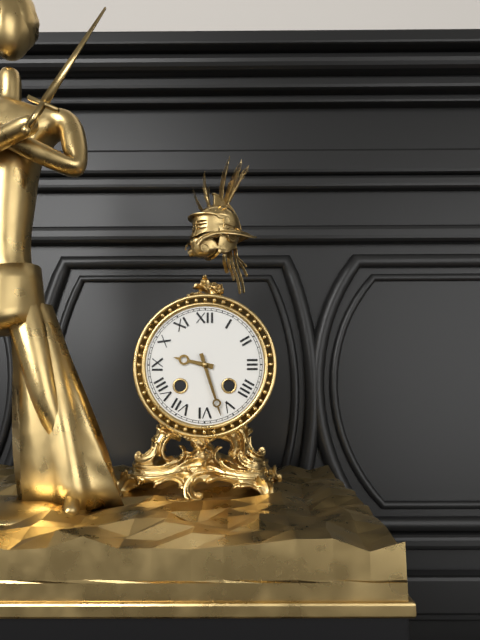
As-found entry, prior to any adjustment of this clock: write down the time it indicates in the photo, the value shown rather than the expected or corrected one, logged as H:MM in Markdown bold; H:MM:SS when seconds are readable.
**9:27**
